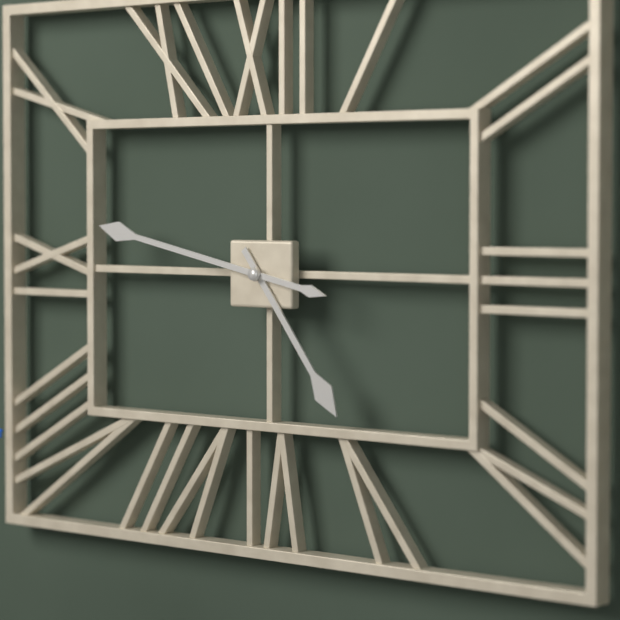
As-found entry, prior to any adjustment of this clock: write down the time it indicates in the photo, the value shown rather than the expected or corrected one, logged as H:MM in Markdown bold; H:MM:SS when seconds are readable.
**4:47**
